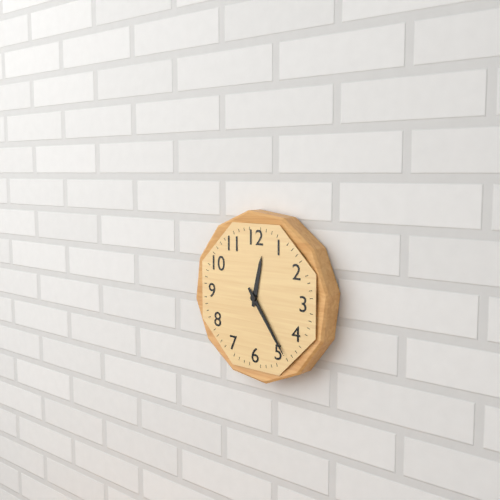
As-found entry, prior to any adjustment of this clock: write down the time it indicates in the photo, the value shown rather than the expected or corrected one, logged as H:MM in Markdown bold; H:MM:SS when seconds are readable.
**12:24**
